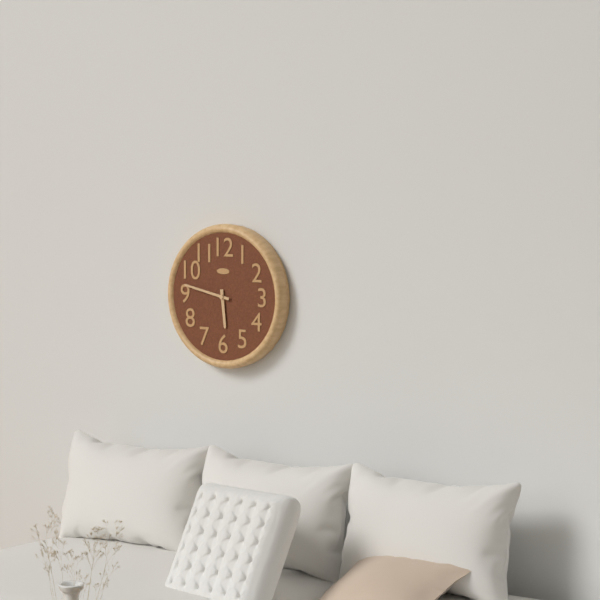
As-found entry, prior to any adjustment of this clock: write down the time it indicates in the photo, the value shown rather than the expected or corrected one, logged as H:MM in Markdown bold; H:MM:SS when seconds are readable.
**5:47**
